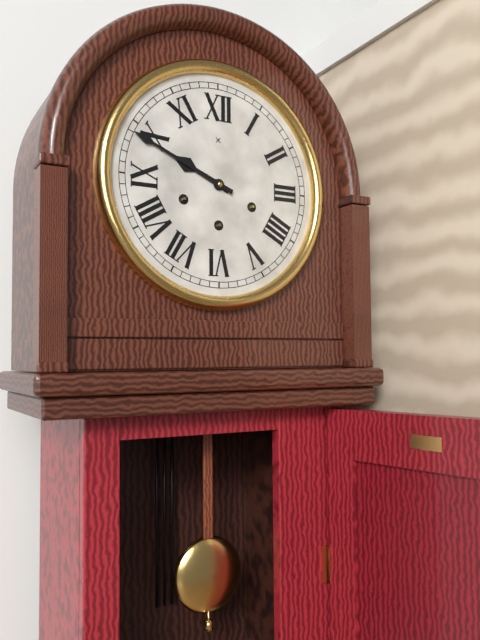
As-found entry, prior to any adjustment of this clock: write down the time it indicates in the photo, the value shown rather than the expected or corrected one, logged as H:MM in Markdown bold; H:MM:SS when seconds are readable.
**9:49**
